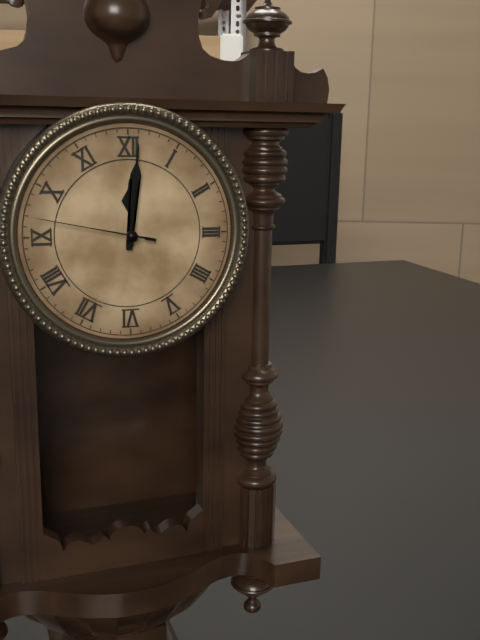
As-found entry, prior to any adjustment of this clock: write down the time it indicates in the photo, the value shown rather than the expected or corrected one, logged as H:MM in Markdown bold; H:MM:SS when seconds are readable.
**12:01:47**
